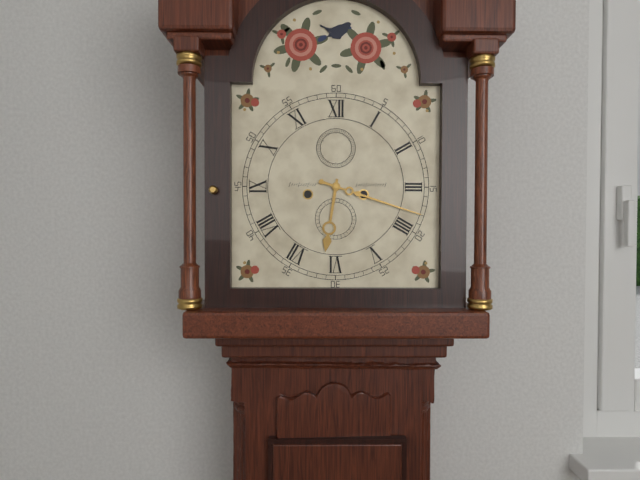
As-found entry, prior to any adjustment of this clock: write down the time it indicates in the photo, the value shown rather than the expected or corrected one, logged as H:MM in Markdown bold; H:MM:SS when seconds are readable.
**6:18**
